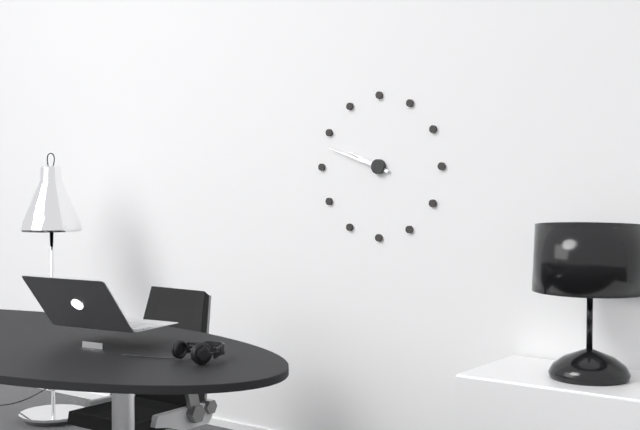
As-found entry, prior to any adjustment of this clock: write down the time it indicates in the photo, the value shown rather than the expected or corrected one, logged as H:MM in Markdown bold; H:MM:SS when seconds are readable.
**9:48**
